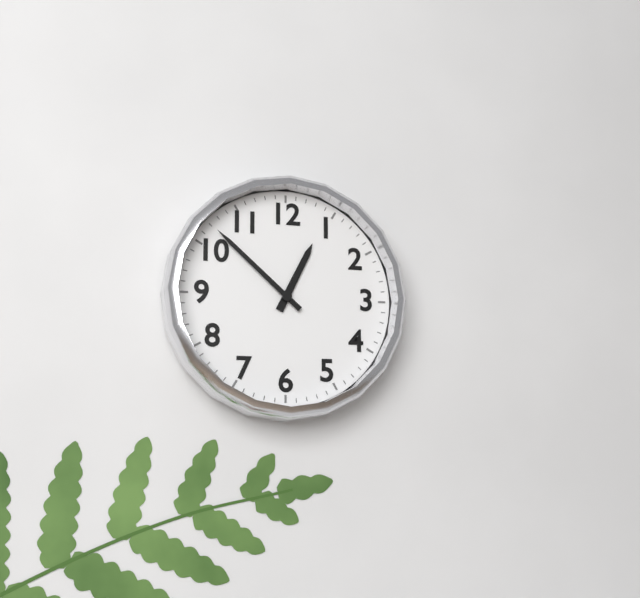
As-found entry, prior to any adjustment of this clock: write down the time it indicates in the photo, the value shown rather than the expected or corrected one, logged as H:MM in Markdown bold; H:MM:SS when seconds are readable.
**12:52**
